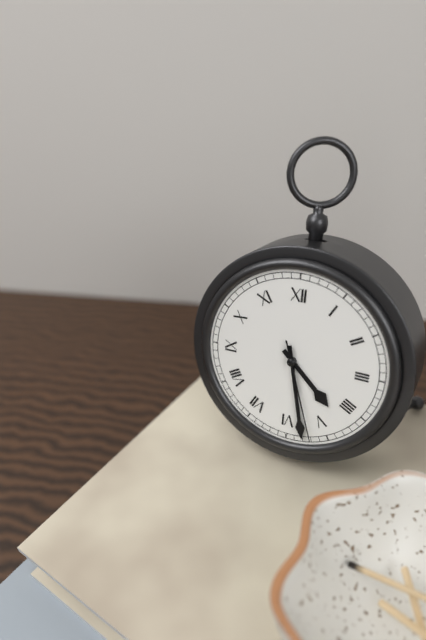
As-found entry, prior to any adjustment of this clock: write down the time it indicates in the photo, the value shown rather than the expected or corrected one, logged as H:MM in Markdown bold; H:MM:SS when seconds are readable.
**4:28:27**
